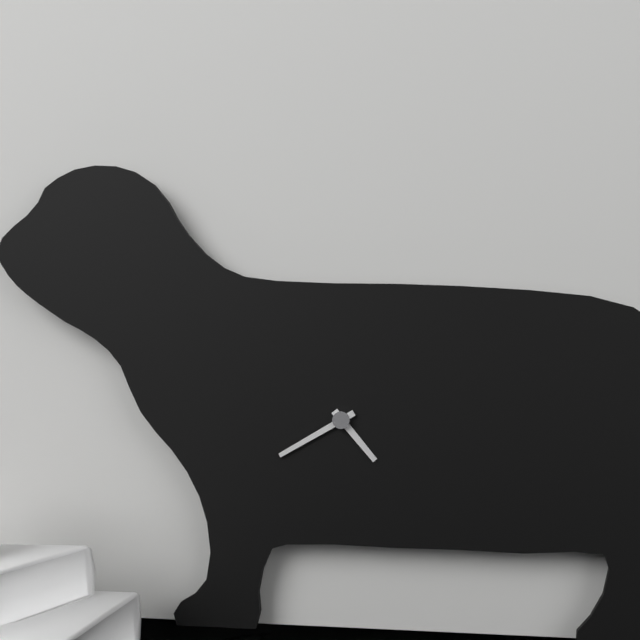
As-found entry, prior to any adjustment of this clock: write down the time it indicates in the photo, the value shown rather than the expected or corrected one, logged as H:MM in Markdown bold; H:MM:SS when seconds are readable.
**4:40**
